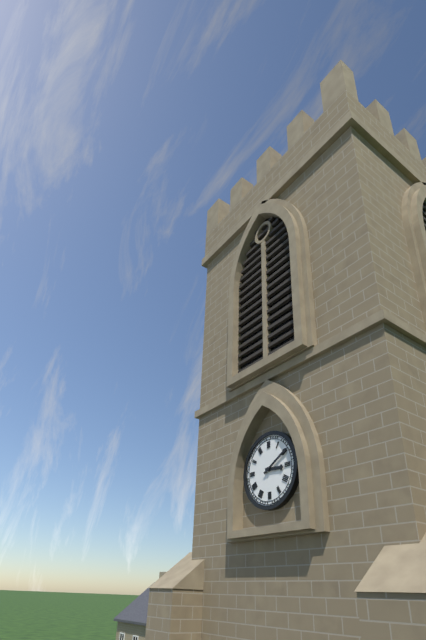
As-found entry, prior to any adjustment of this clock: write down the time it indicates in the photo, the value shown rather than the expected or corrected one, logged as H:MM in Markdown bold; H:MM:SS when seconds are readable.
**3:10**
